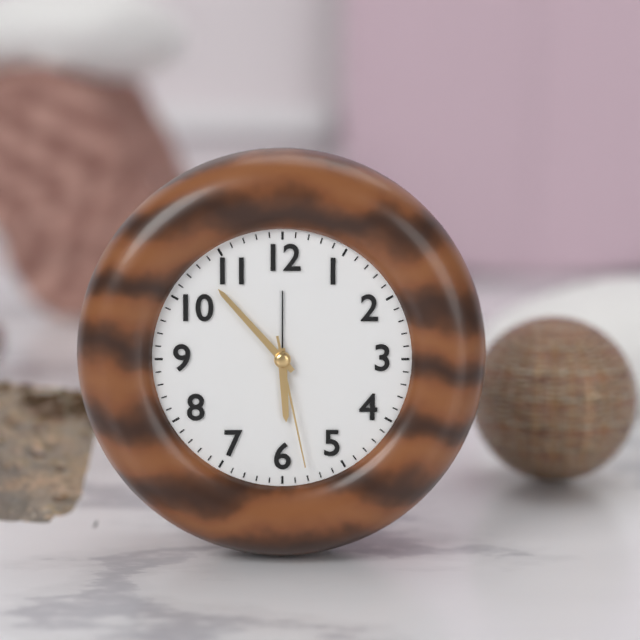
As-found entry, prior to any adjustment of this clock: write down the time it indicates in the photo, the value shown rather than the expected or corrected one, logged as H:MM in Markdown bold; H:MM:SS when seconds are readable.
**5:53:28**
